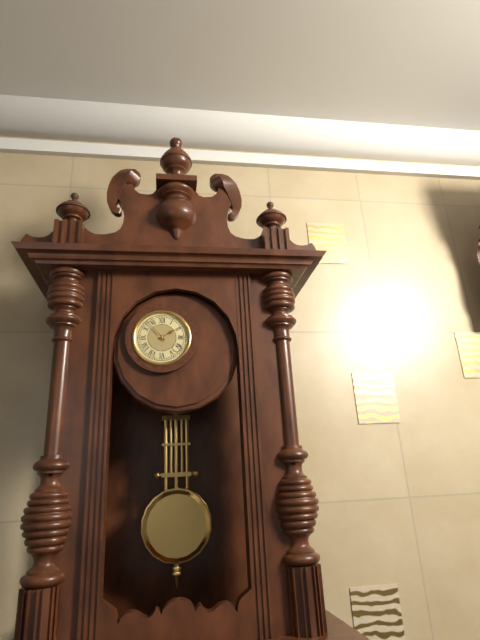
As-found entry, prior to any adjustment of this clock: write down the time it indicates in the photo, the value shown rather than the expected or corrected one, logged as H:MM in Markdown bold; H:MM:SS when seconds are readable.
**1:53**
